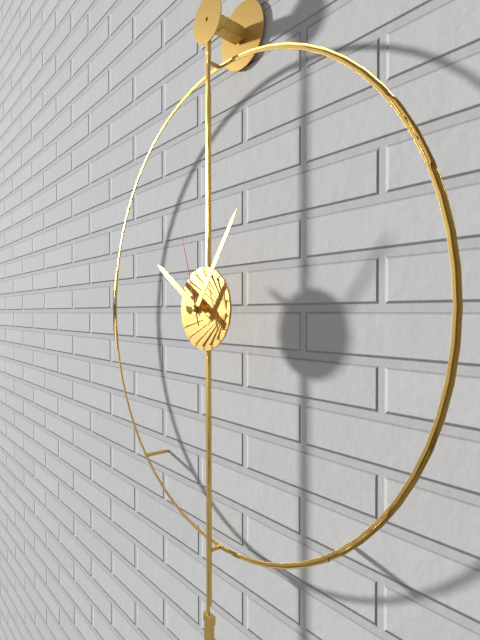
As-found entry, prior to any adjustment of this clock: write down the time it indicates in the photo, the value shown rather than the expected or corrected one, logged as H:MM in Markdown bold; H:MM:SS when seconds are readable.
**10:06:57**
